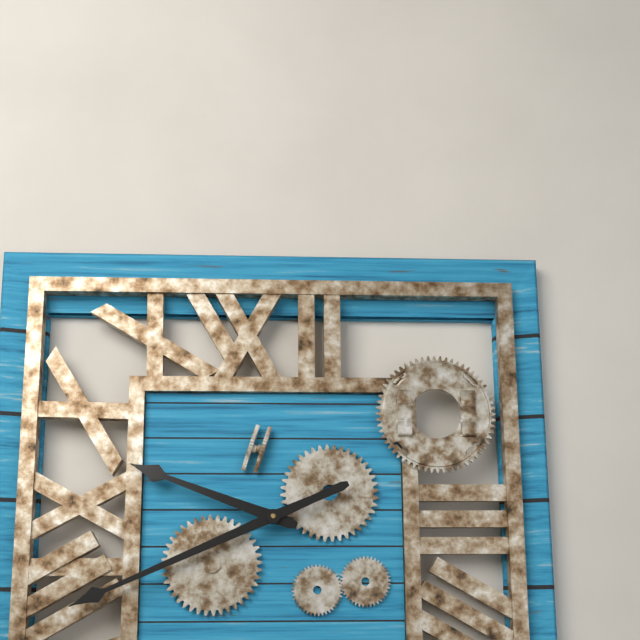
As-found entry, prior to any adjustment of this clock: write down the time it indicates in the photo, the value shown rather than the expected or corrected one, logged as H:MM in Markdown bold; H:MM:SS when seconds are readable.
**9:41**
